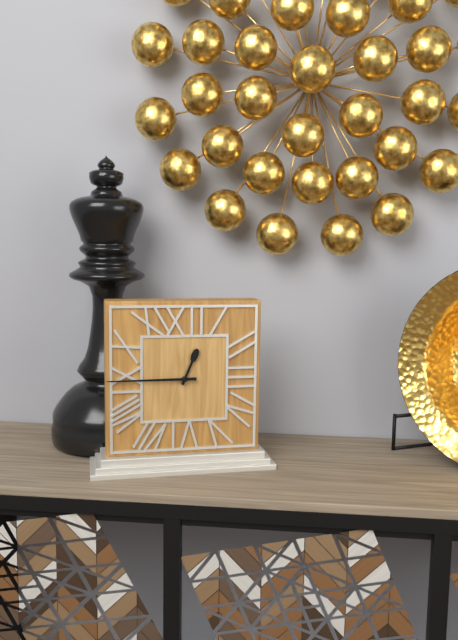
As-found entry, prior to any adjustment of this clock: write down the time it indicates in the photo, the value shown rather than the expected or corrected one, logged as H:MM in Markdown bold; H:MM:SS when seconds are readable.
**12:45**
